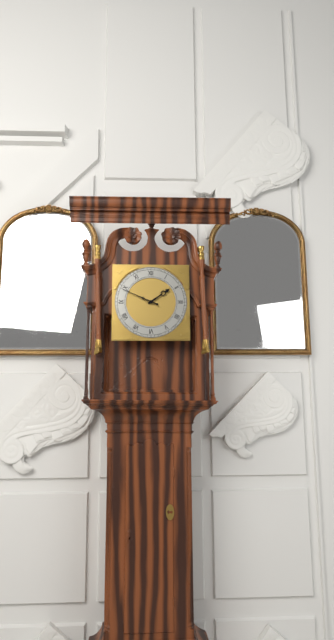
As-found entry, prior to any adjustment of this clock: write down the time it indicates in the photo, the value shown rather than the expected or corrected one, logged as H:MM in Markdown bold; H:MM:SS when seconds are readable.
**1:49**
